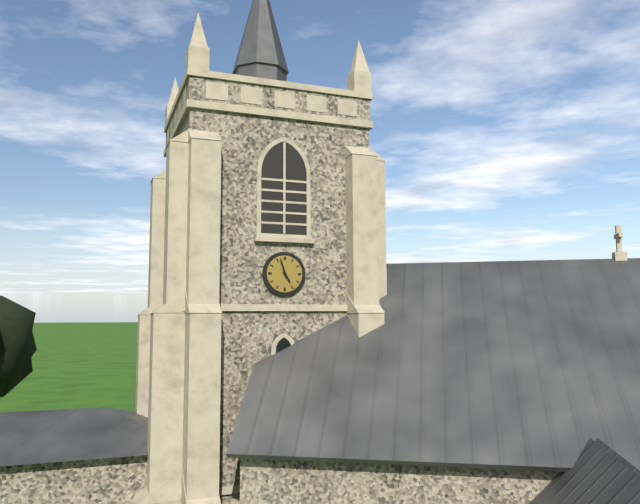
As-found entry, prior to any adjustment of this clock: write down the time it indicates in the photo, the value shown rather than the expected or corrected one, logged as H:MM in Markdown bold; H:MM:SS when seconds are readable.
**4:57**
